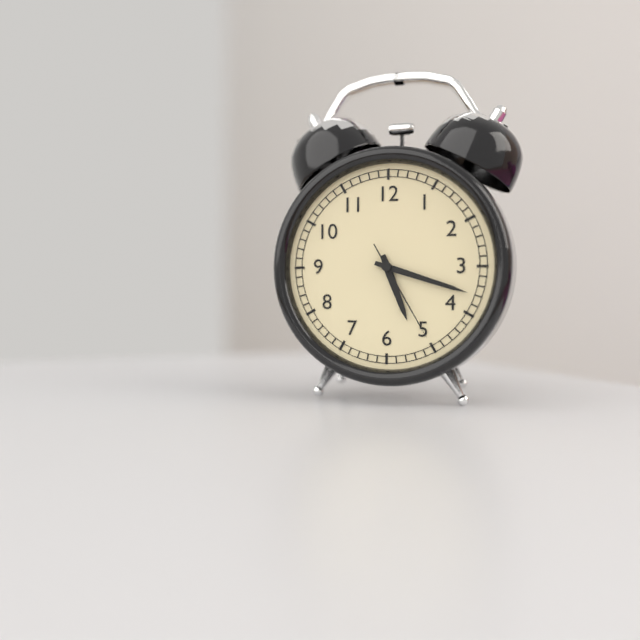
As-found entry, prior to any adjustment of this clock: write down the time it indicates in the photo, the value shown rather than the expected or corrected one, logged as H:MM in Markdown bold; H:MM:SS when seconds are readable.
**5:18:25**
